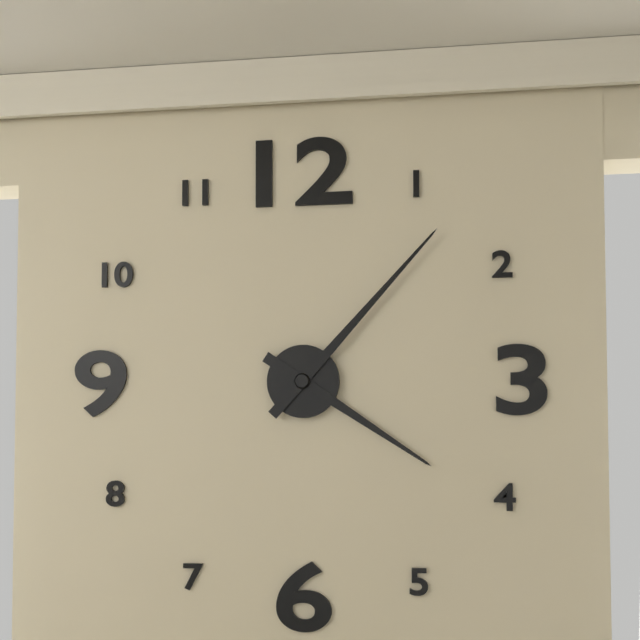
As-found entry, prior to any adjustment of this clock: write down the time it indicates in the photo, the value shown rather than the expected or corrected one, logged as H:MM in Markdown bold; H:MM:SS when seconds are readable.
**4:07**
